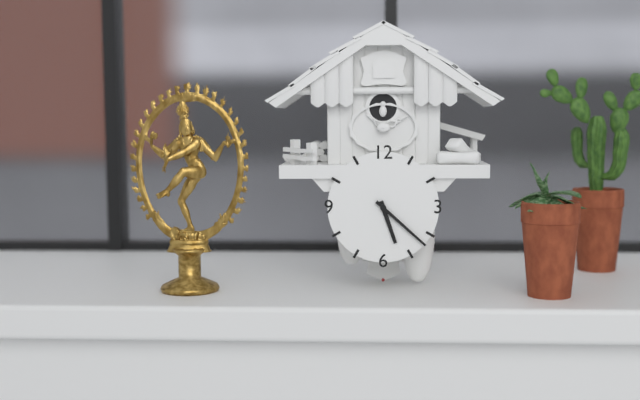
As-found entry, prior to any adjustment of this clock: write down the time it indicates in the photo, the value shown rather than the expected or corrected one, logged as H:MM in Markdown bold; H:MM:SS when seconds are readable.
**5:22**
